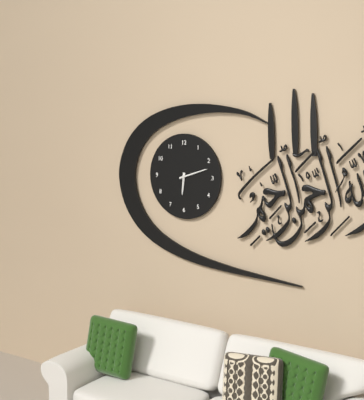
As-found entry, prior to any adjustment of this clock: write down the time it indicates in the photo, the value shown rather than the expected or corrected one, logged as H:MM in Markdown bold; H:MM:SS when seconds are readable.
**6:12**
